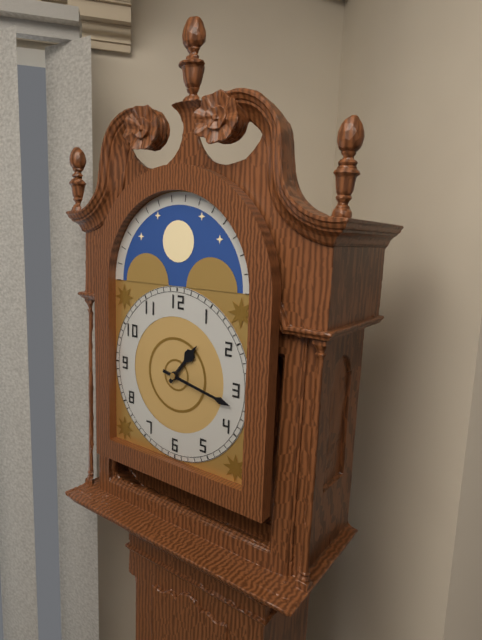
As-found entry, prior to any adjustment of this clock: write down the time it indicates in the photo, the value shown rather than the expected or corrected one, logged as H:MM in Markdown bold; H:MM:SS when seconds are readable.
**1:17**
